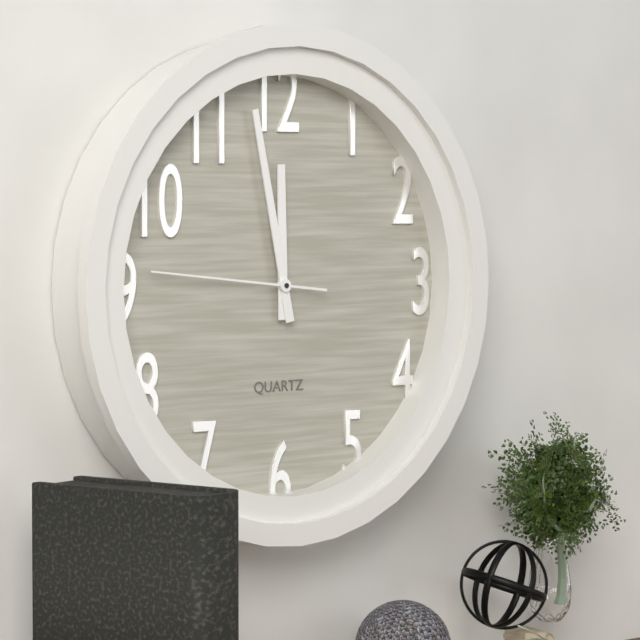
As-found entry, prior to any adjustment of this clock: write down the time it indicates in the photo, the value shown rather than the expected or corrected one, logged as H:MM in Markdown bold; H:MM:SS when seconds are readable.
**11:58:46**
